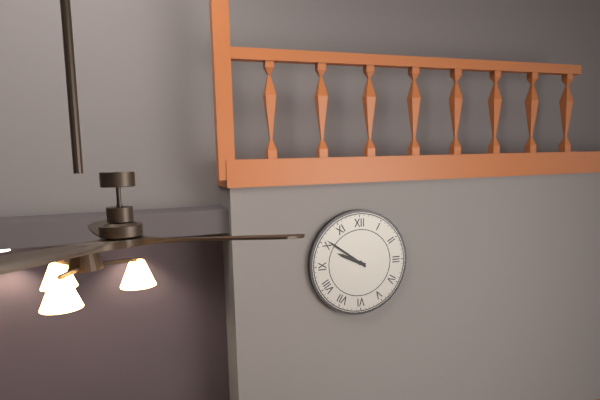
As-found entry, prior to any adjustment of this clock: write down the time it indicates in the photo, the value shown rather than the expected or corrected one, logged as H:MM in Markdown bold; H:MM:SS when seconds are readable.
**9:51**
